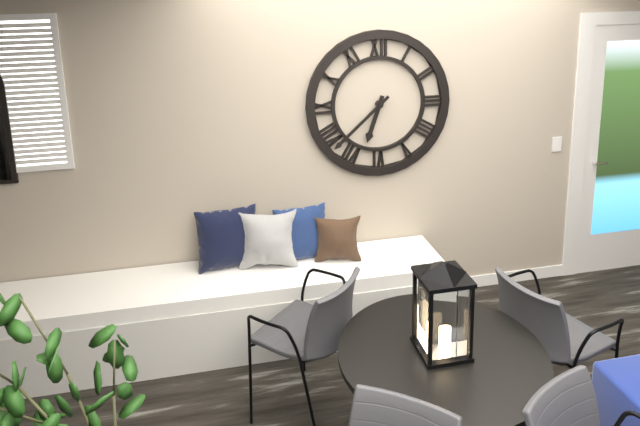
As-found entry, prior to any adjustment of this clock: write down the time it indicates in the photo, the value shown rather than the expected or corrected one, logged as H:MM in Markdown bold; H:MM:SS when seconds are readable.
**6:38**
